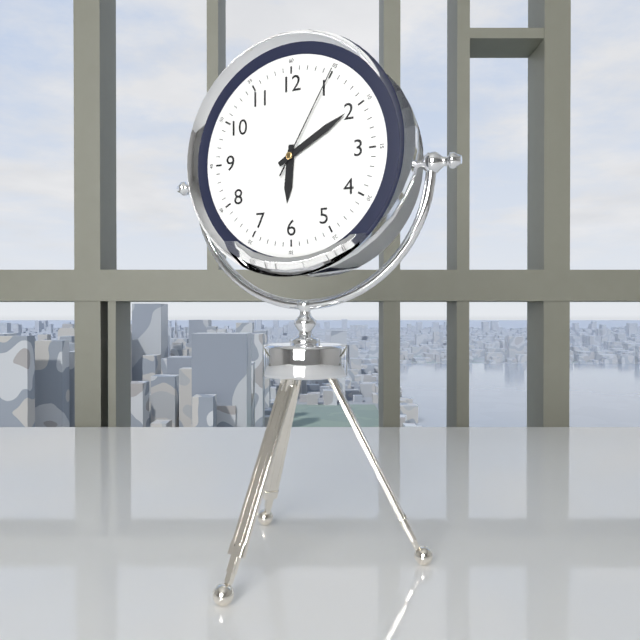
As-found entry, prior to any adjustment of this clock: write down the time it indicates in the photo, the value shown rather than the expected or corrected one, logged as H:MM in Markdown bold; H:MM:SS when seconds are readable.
**6:10:05**
